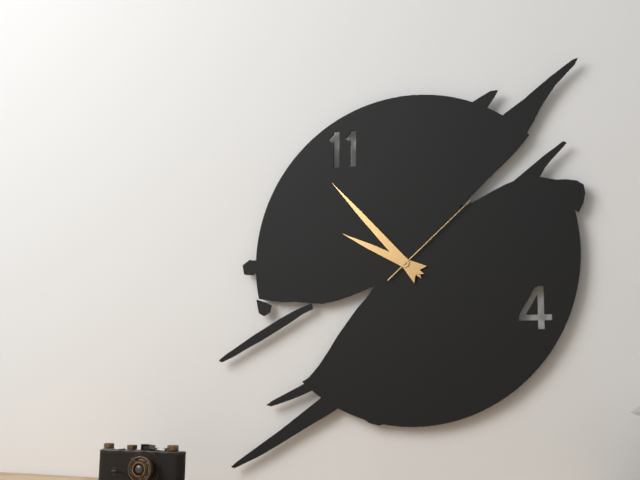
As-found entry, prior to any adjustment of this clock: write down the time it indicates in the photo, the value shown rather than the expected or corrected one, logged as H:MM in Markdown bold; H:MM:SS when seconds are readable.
**9:53:08**
